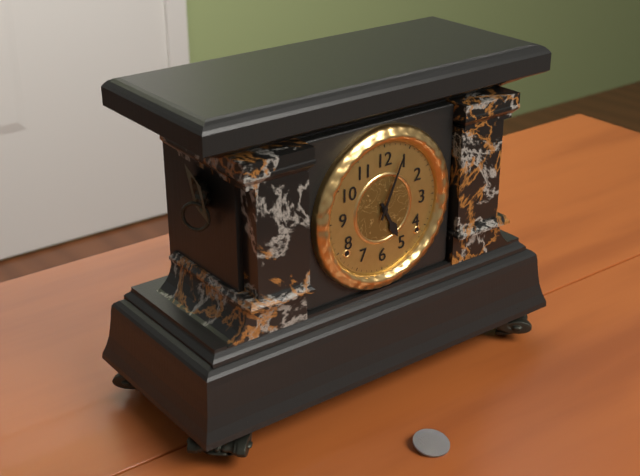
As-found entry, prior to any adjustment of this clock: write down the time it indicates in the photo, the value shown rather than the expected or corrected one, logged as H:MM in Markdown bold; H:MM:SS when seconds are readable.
**5:04**
